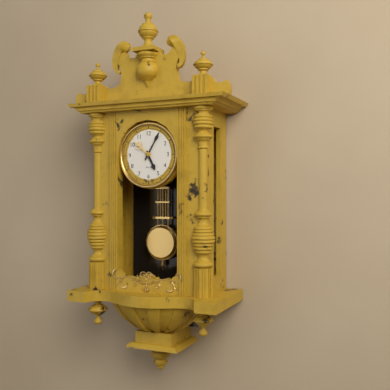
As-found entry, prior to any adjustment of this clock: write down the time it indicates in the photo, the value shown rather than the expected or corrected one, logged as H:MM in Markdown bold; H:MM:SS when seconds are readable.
**5:05**
